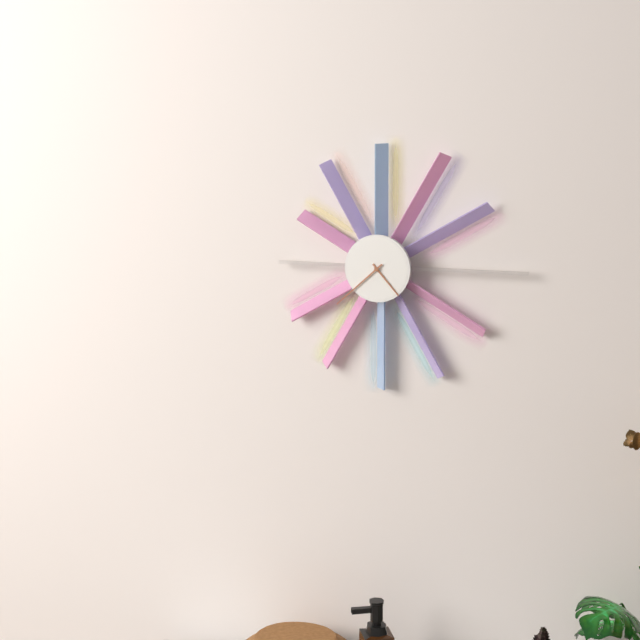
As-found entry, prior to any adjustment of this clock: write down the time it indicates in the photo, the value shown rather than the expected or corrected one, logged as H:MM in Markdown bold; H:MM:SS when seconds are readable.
**4:38**
